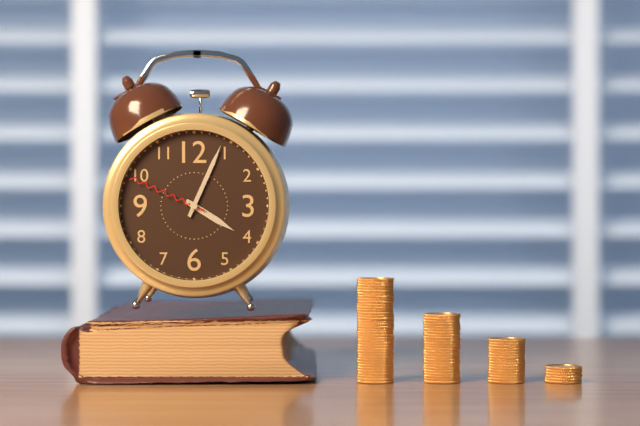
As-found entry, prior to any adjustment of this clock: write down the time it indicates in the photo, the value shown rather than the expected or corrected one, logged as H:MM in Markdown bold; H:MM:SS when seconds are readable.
**4:04:49**
